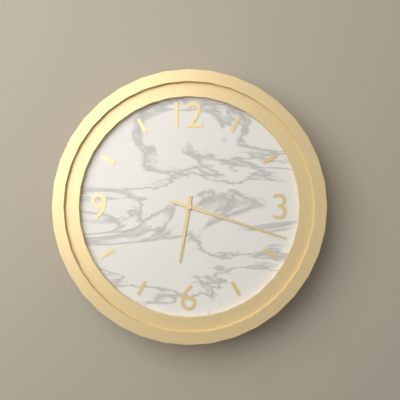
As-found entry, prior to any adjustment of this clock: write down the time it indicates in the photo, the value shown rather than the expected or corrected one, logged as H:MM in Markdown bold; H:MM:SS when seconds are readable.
**6:18**
